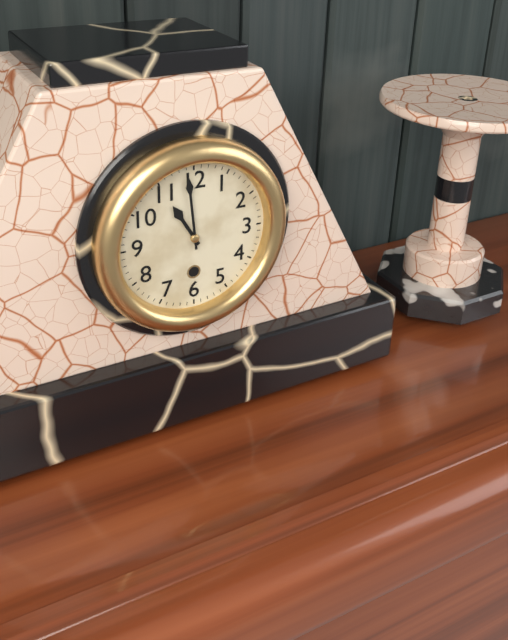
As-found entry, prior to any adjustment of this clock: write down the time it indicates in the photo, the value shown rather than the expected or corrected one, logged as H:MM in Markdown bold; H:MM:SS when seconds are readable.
**10:59**
